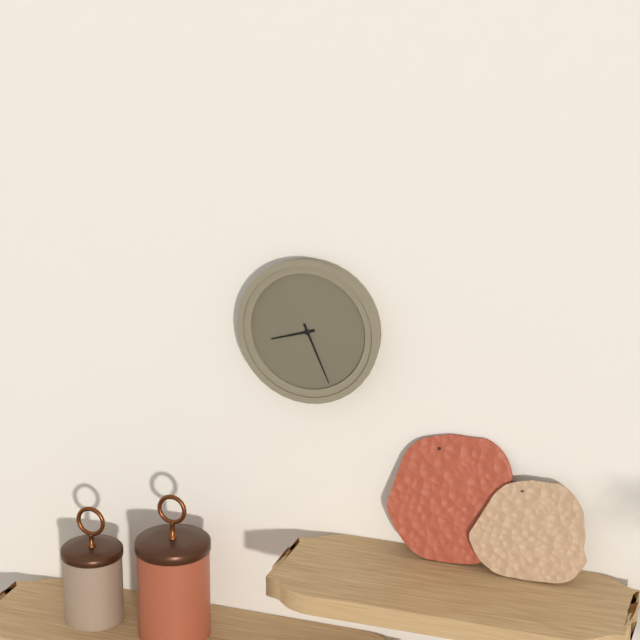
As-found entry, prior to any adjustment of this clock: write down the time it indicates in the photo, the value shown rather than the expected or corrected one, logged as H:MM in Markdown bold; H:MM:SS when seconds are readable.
**8:26**
